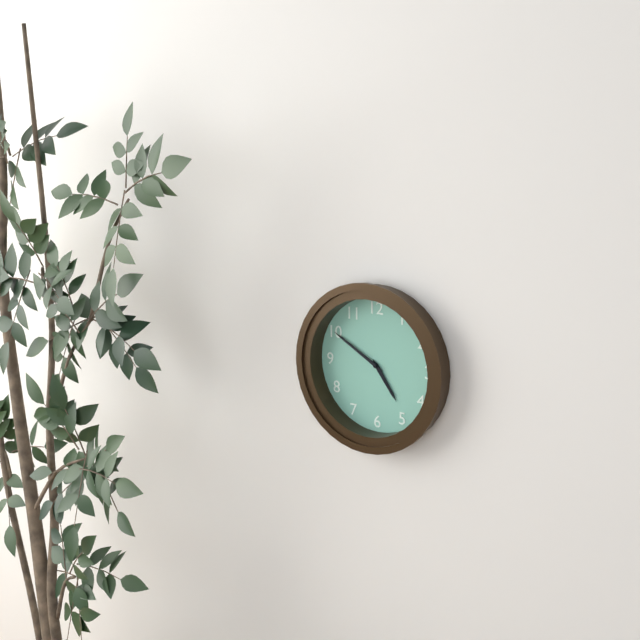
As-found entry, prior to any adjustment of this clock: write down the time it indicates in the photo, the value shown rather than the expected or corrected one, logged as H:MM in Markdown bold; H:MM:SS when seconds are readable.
**4:50**
